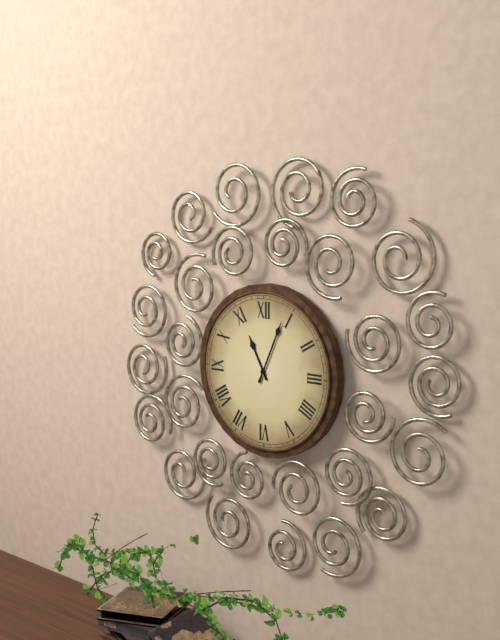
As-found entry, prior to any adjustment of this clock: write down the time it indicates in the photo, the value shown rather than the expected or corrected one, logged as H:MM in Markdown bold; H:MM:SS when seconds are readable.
**11:04**
